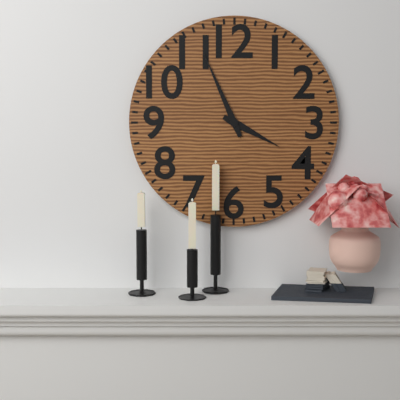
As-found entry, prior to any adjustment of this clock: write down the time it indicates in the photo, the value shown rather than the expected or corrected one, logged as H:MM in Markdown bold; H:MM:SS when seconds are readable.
**3:56**
